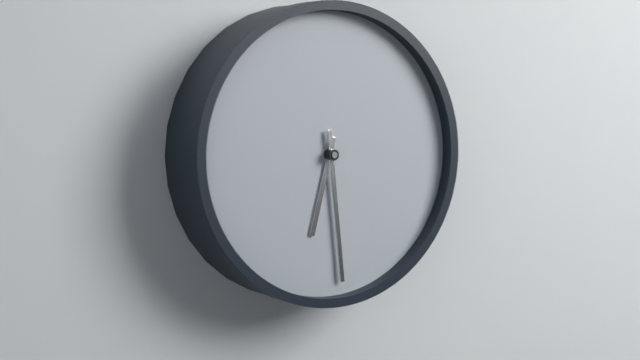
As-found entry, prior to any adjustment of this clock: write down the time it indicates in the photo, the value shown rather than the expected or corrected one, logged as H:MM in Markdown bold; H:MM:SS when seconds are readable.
**6:29**
